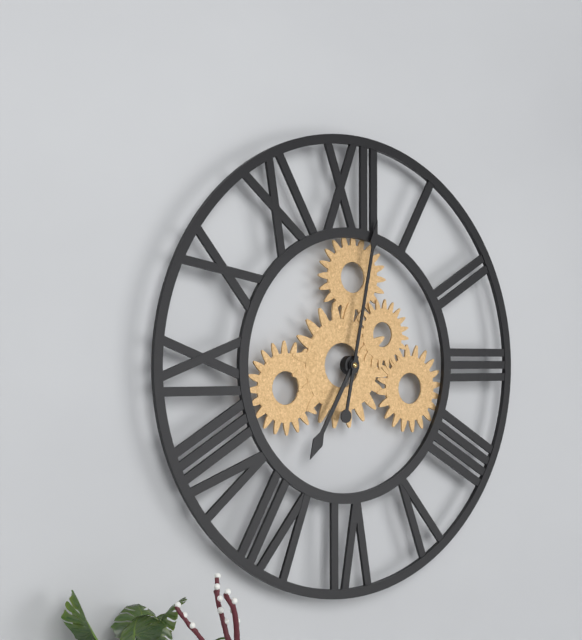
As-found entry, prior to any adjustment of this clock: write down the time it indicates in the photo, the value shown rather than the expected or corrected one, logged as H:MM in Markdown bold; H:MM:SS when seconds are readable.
**7:02**
